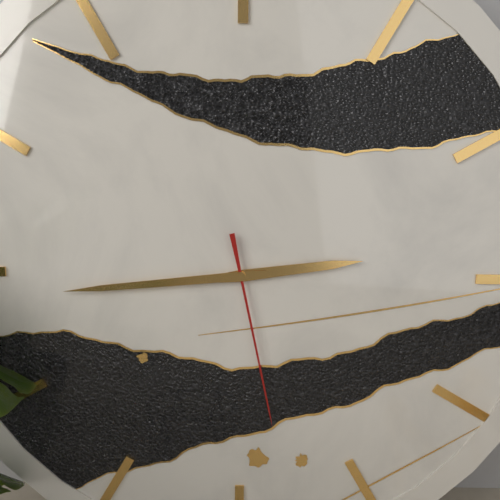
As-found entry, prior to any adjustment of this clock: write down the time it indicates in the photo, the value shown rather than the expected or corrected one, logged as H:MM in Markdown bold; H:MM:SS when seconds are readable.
**2:44:28**
